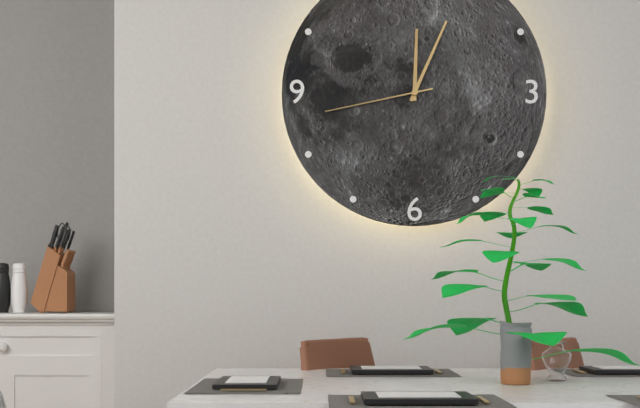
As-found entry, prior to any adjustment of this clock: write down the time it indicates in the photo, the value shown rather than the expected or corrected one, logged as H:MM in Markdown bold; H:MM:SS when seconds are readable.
**12:04:43**
